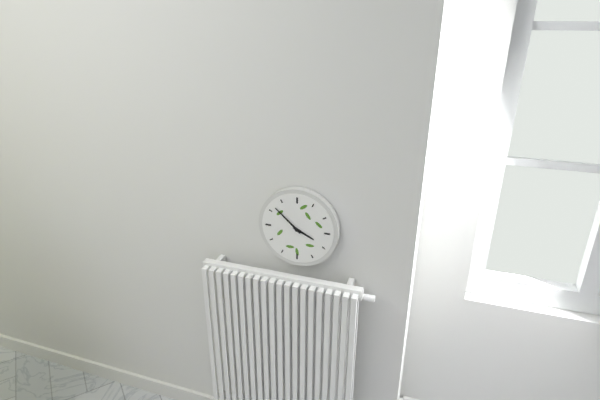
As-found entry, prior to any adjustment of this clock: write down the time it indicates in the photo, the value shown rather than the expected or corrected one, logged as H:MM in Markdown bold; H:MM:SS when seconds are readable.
**3:52**
